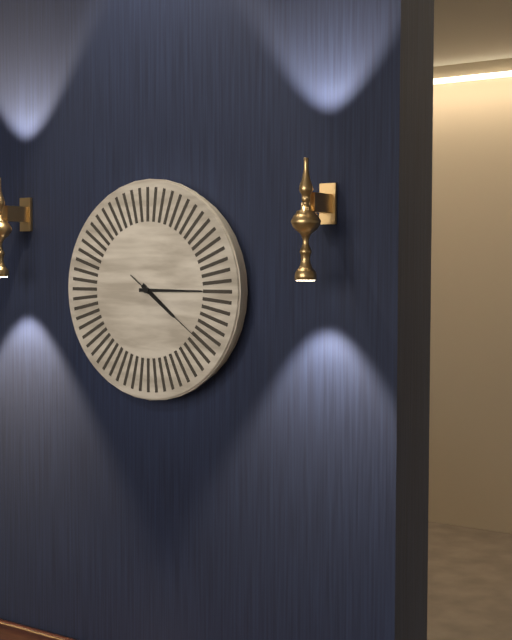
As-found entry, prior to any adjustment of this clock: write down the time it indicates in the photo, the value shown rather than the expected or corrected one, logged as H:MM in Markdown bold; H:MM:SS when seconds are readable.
**4:15:21**
